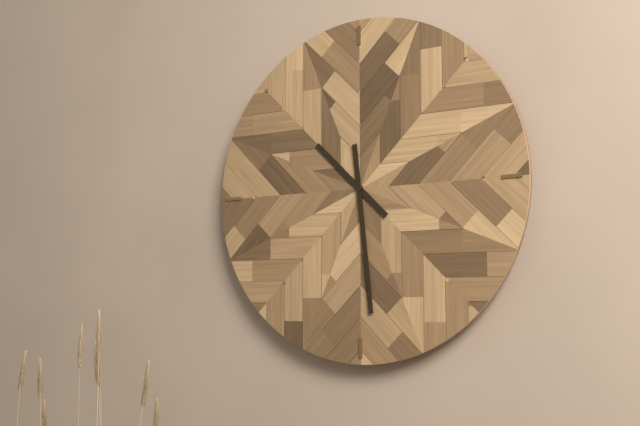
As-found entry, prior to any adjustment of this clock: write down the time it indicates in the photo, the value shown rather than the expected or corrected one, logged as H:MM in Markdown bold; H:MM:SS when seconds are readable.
**10:29**
